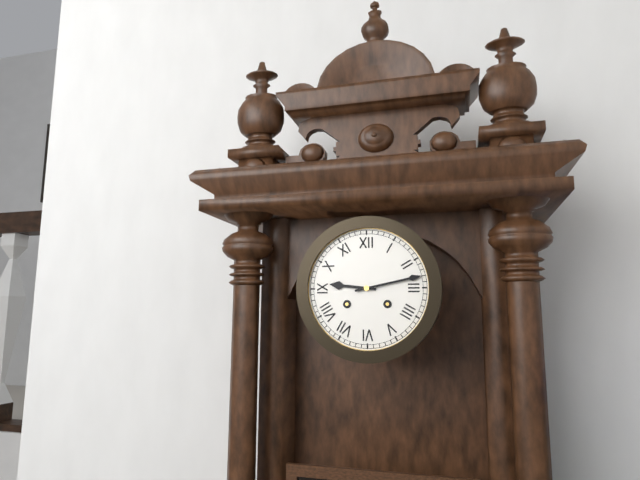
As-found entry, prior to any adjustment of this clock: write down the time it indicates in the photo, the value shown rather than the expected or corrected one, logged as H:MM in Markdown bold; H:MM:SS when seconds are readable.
**9:13**
